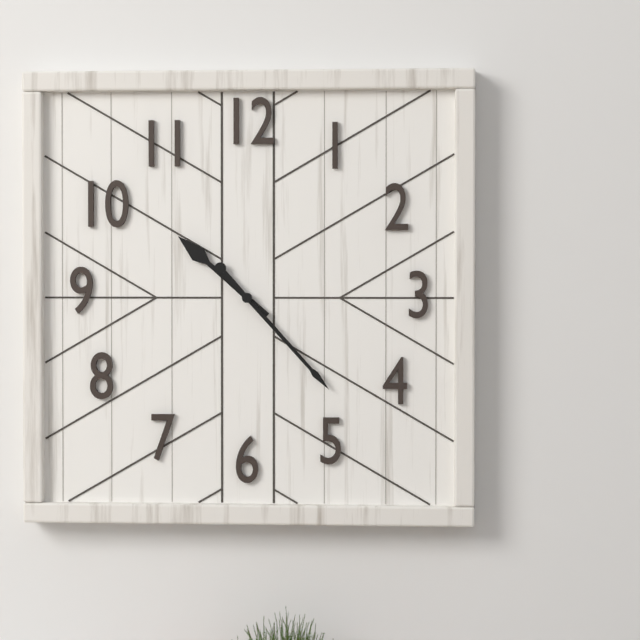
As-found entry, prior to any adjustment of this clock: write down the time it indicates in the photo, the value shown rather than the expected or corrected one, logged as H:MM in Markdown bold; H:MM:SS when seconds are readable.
**10:23**
